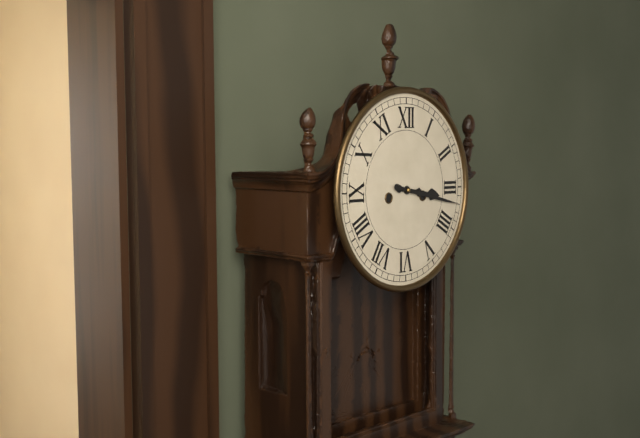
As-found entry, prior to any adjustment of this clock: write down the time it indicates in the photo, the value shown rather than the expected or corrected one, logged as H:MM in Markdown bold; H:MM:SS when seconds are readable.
**3:17**
